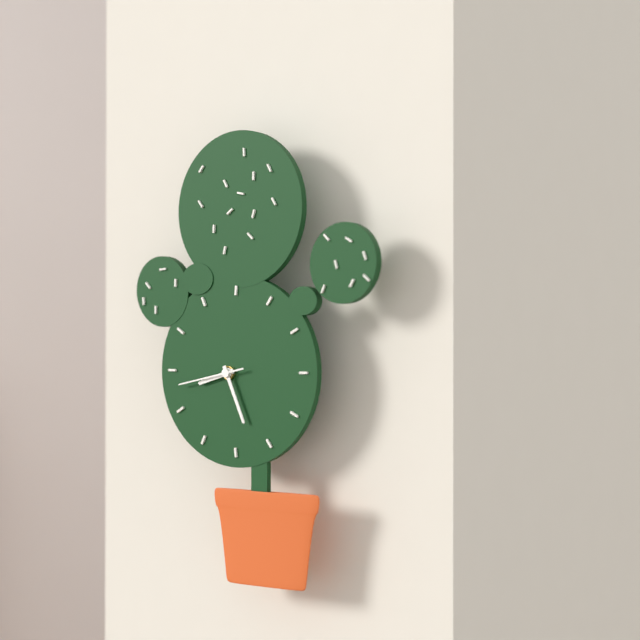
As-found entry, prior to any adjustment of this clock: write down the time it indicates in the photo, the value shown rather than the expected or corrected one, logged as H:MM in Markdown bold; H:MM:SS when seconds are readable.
**8:26:43**
